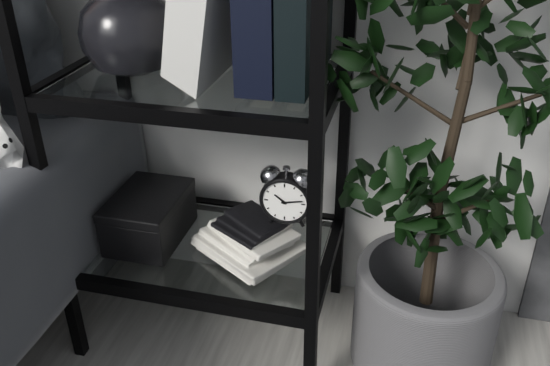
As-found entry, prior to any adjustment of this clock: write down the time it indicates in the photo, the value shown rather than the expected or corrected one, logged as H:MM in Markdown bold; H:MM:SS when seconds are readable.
**10:13**
